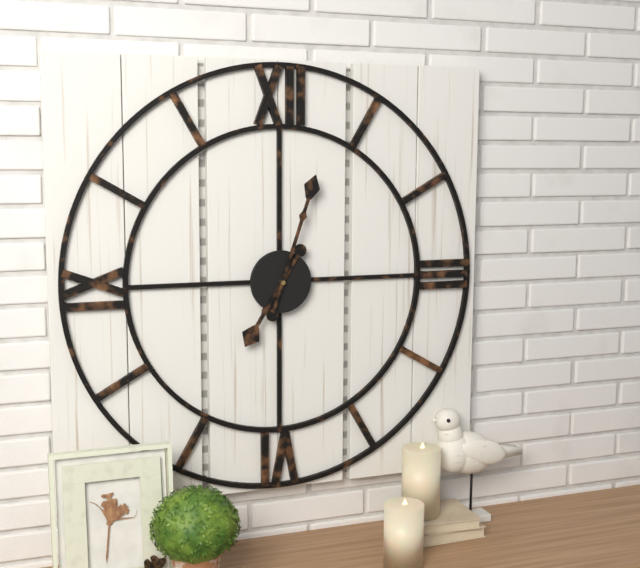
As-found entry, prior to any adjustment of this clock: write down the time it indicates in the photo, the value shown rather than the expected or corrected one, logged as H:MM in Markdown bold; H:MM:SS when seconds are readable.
**7:03**
